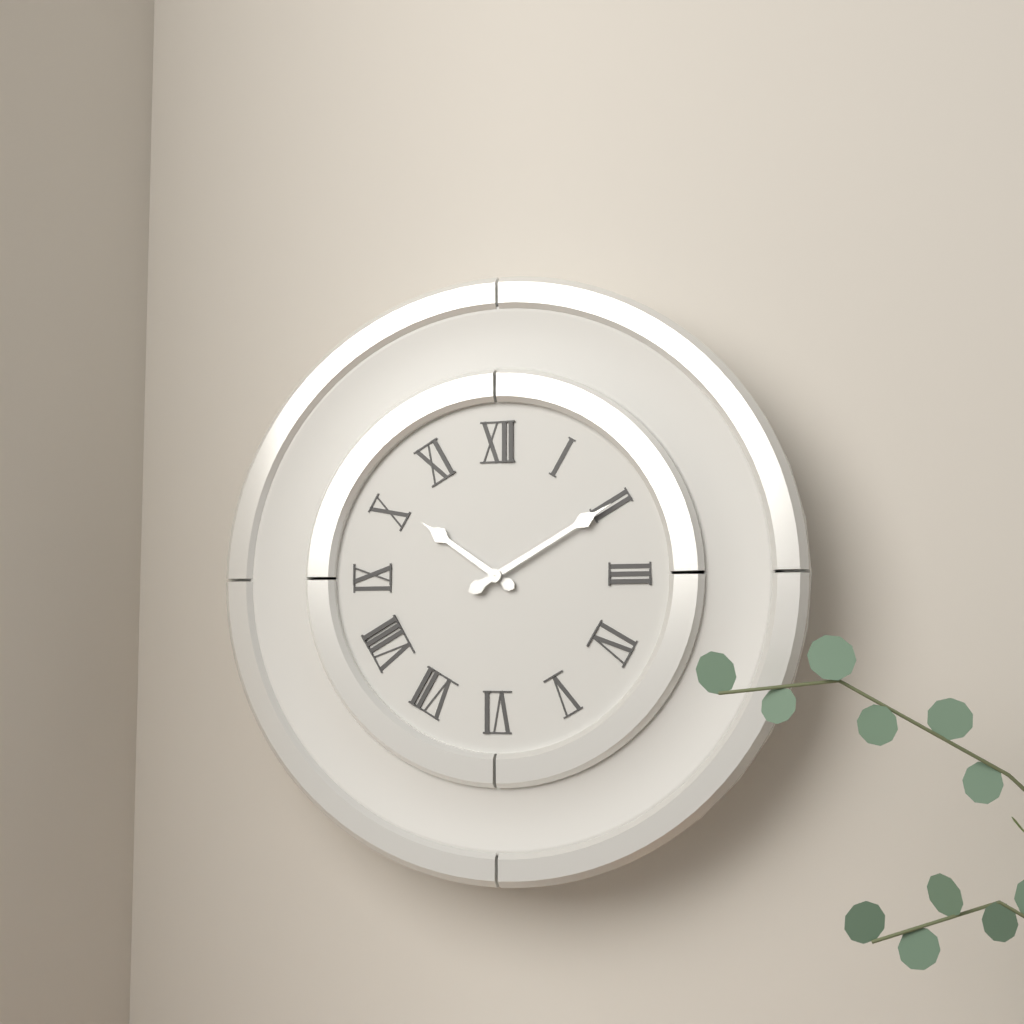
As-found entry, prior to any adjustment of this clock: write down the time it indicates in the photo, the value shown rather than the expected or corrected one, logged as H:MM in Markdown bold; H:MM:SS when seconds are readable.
**10:10**
